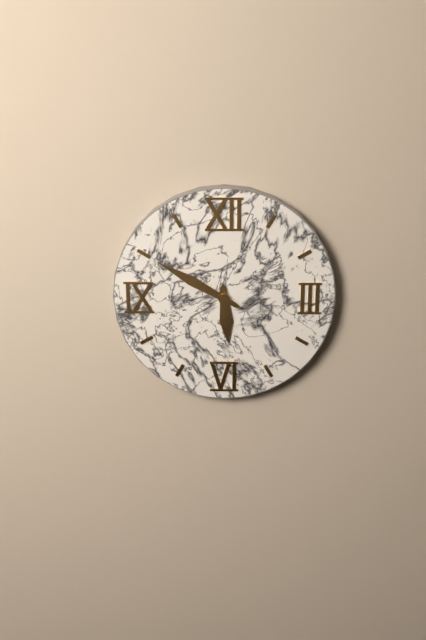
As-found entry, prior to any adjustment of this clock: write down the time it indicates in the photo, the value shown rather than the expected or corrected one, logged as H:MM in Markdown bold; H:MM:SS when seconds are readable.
**5:50**
